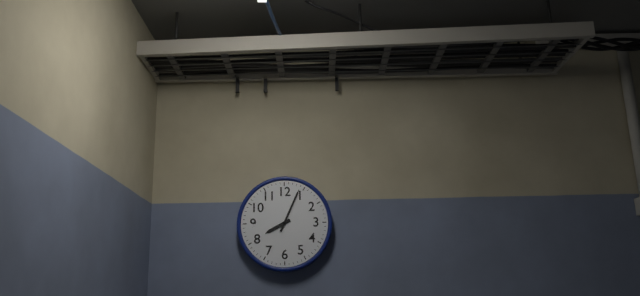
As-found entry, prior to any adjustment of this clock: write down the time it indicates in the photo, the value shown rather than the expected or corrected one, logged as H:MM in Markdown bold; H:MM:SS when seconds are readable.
**8:04**
